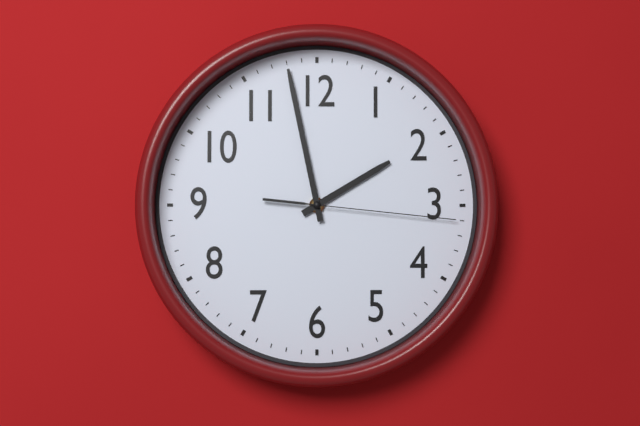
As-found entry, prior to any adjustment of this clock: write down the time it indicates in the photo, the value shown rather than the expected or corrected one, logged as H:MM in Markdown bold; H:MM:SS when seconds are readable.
**1:58:16**
